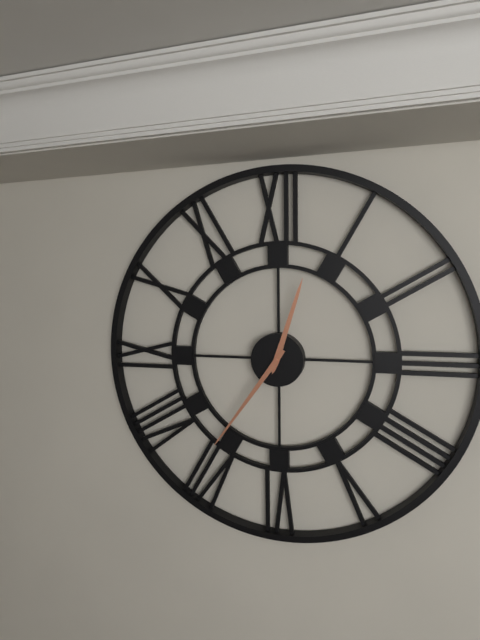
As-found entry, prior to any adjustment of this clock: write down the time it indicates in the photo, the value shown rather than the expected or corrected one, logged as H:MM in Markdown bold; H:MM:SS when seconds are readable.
**12:36**
